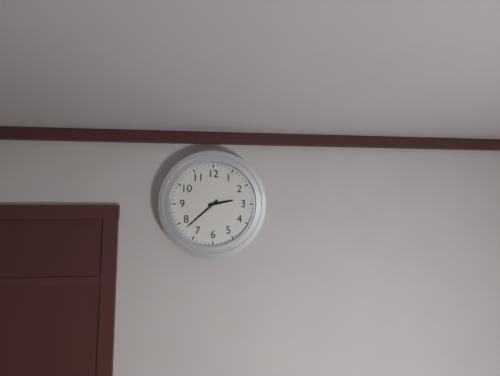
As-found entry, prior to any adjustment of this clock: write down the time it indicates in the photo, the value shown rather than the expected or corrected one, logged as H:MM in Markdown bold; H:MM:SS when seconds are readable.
**2:38**
